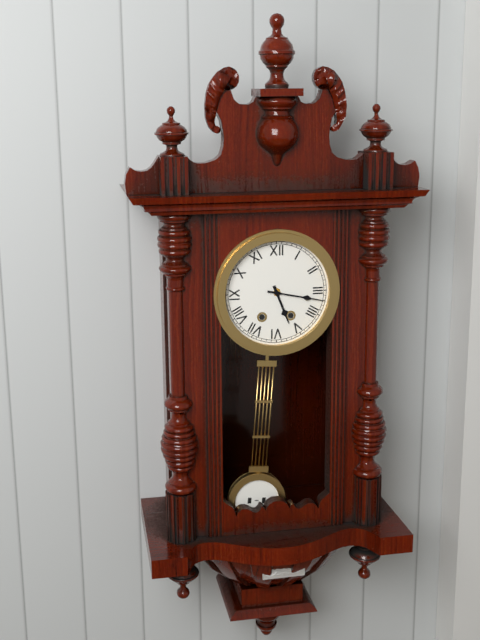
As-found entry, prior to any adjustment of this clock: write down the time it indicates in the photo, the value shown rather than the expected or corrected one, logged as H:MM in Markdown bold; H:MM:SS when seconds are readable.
**5:17**
